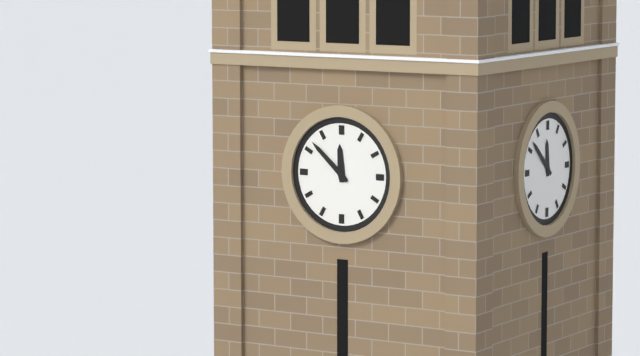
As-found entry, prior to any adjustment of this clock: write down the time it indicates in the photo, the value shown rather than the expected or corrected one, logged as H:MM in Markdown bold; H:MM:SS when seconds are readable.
**11:52**
